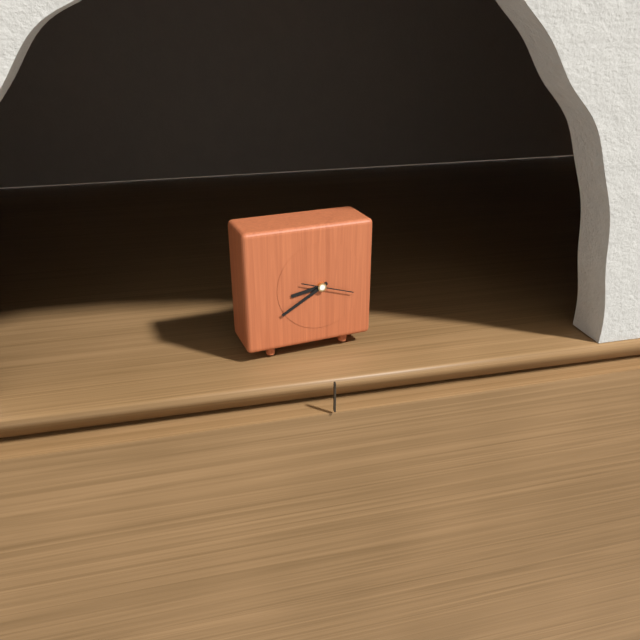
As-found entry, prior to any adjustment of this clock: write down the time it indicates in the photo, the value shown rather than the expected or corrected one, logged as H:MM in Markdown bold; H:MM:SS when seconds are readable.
**8:40**
